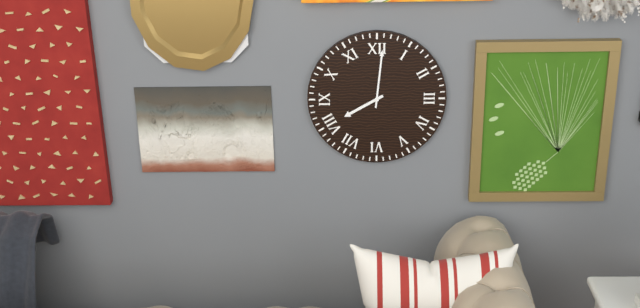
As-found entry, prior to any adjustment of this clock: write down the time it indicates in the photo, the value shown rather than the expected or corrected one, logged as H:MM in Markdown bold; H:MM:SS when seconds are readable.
**8:01**
